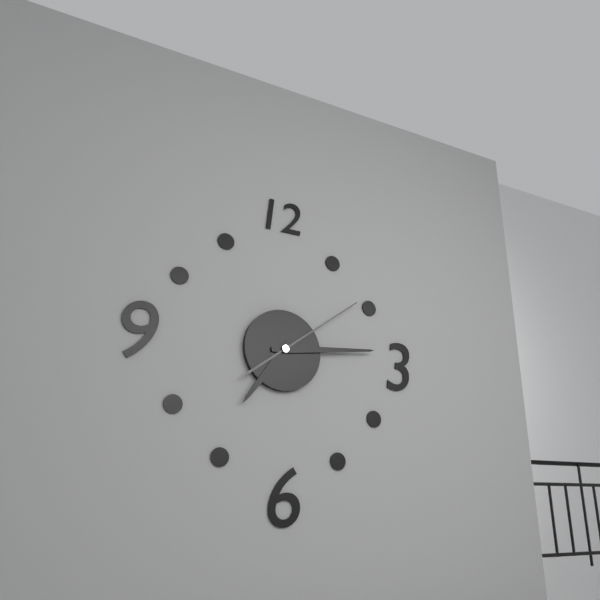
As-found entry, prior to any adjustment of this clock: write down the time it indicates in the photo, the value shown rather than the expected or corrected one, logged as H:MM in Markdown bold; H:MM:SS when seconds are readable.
**7:14:09**
